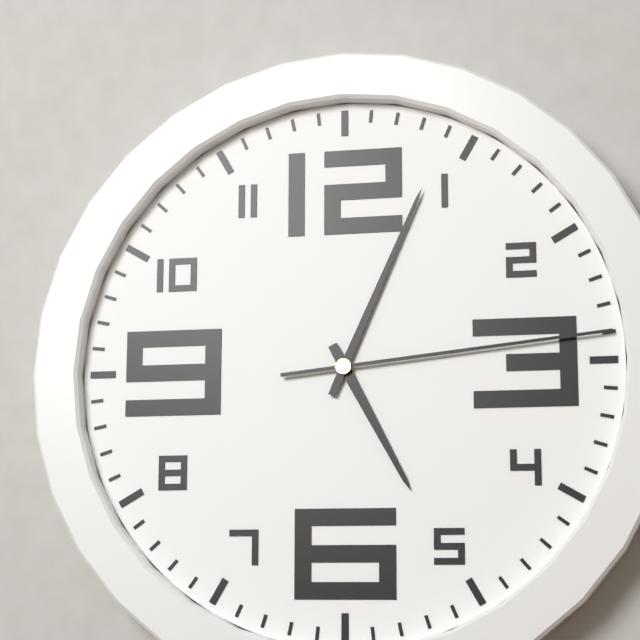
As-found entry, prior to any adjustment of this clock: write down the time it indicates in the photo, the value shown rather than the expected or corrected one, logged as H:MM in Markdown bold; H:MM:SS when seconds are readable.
**5:04:14**
